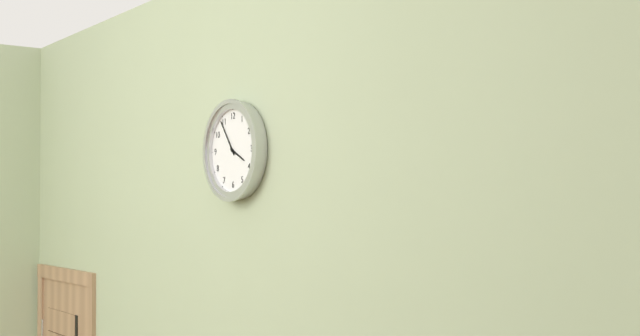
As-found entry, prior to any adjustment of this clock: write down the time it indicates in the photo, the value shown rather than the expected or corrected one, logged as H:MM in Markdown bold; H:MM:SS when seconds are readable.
**3:54**
